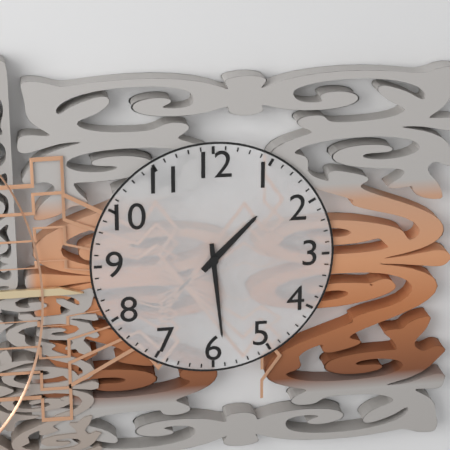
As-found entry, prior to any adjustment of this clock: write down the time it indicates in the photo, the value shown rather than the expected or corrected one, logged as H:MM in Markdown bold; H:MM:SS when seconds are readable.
**1:29**
